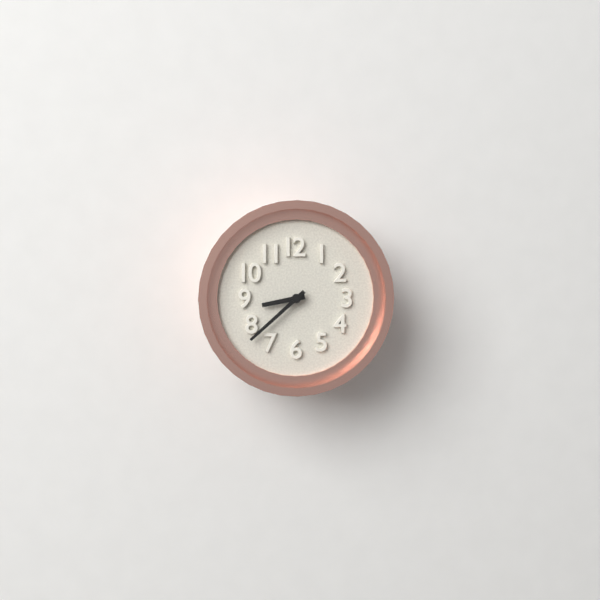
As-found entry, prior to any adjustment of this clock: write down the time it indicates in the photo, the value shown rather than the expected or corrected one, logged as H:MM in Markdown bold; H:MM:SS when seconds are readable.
**8:38**
